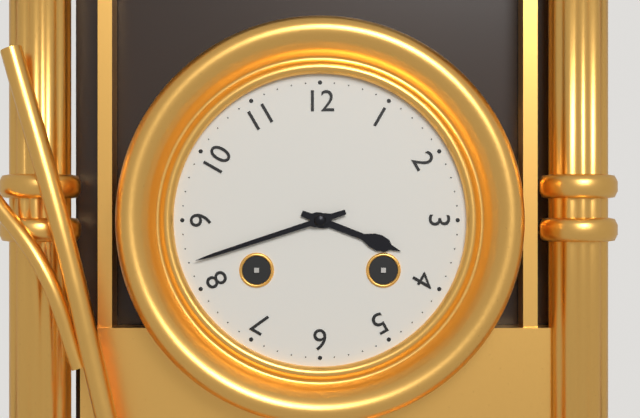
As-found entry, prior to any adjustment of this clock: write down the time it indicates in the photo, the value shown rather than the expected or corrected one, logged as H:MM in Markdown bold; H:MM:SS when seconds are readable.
**3:42**
